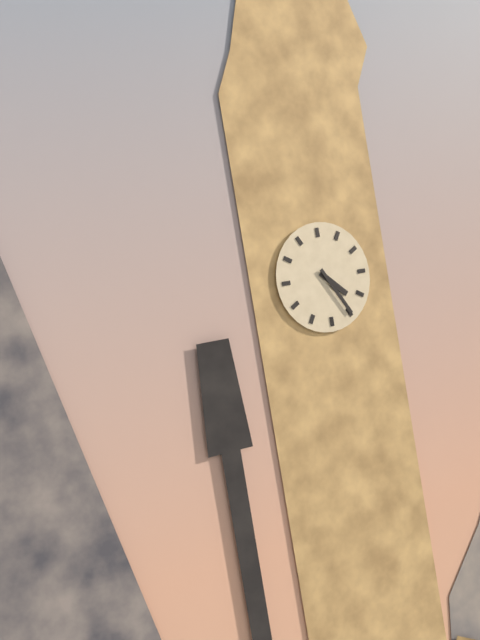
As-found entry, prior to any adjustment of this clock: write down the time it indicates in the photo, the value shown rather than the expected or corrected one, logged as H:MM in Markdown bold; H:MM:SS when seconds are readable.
**4:25**
